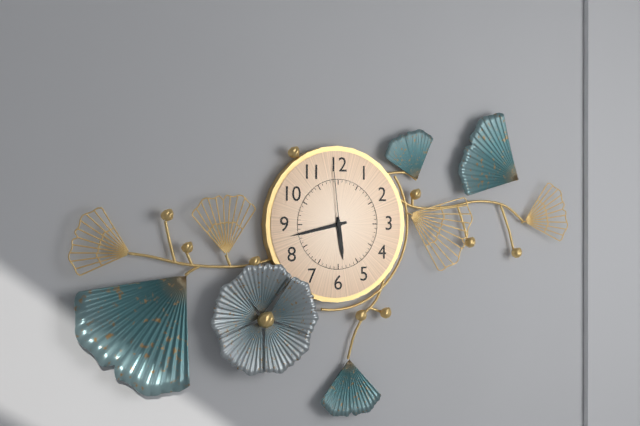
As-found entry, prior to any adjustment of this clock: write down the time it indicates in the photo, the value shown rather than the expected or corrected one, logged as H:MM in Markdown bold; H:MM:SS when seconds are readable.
**5:43:59**
